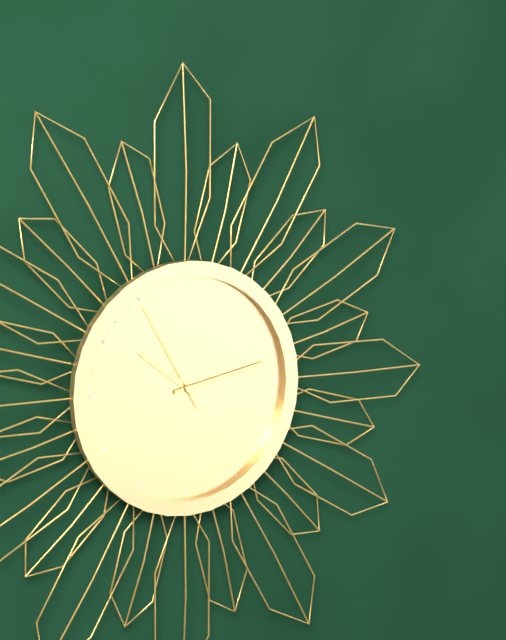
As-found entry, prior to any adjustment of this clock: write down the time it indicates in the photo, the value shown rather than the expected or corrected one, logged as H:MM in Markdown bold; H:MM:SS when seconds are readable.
**10:13:55**
